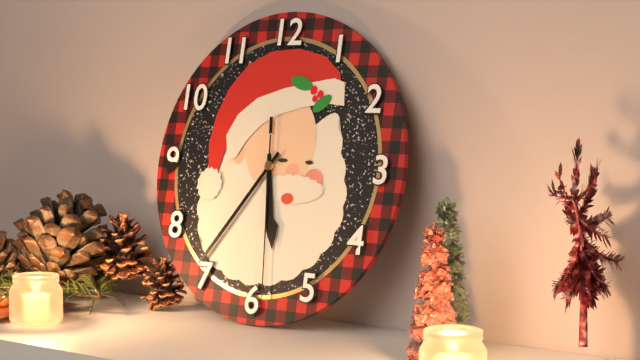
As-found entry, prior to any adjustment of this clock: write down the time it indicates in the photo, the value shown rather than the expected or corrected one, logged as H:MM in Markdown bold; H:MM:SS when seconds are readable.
**5:36:29**
